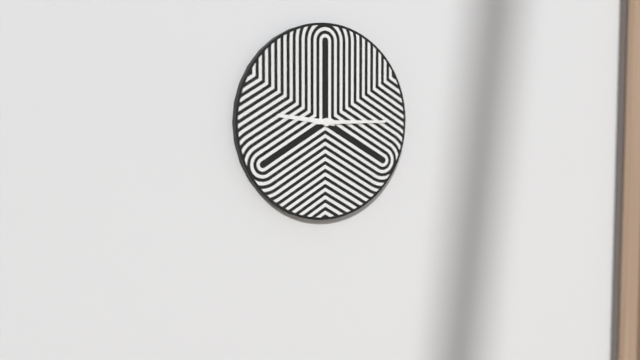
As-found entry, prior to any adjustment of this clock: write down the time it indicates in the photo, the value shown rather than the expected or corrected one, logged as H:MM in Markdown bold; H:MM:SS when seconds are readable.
**9:15**
